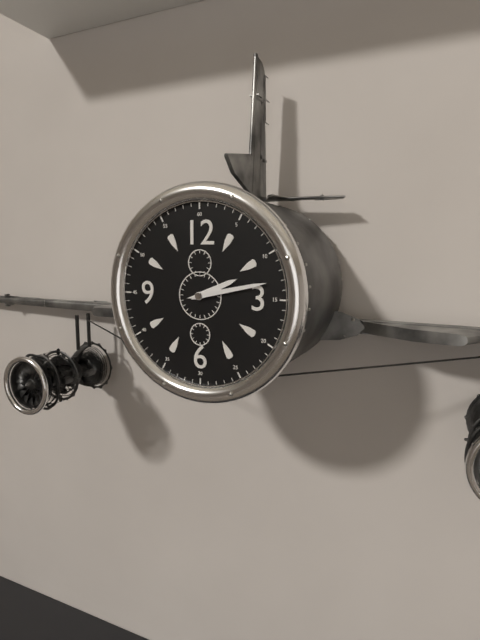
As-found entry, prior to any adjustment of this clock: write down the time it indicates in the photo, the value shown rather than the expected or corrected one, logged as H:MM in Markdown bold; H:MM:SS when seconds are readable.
**2:13**
